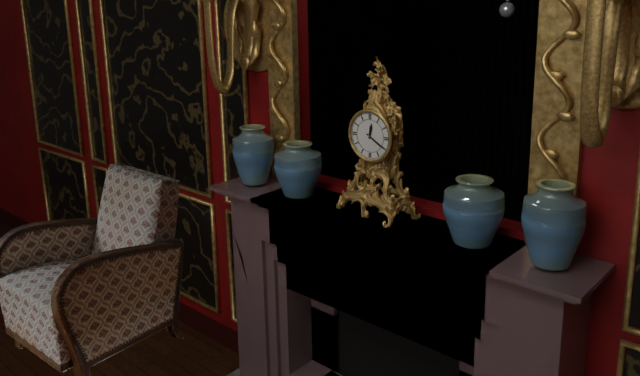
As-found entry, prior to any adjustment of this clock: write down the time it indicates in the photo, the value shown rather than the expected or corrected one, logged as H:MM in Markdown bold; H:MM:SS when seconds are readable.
**12:20**
